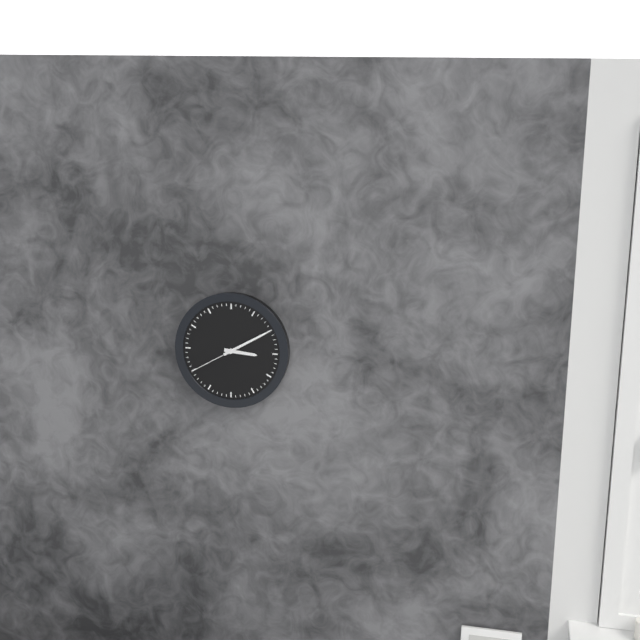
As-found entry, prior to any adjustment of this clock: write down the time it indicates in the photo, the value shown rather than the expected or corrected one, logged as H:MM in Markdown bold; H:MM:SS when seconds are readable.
**3:10:40**
